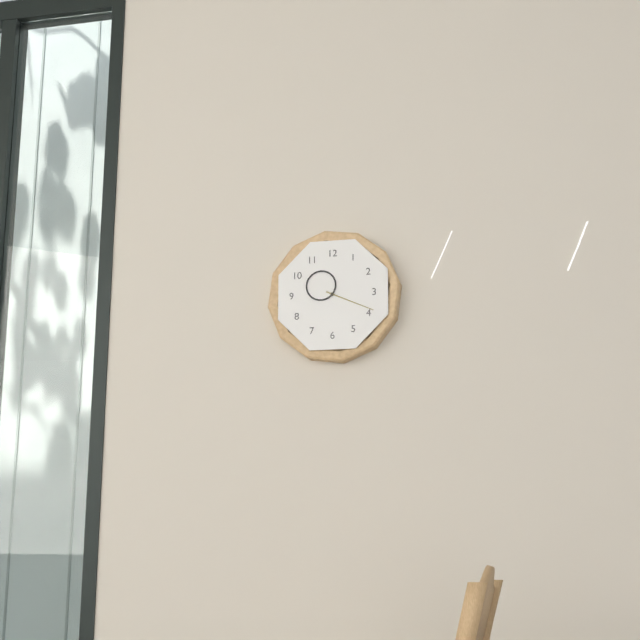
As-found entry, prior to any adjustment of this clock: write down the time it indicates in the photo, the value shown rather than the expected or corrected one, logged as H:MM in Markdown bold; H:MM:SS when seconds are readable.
**10:19**
